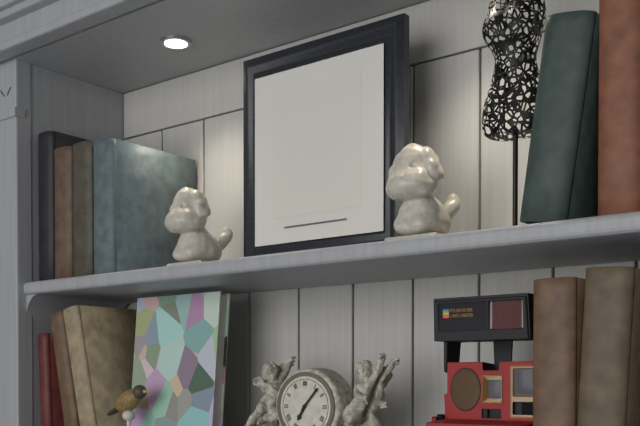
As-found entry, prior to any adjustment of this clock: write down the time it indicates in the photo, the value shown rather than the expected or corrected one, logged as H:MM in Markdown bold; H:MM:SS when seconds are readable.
**7:07**
